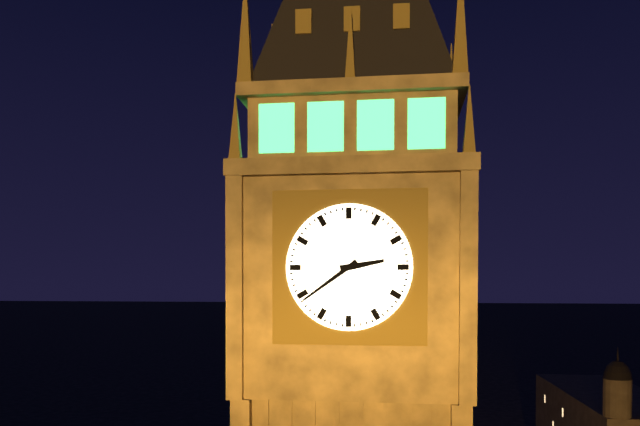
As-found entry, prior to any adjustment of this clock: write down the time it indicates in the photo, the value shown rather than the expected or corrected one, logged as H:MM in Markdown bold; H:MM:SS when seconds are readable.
**2:39**
